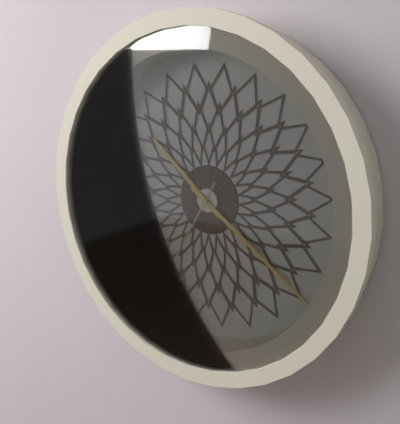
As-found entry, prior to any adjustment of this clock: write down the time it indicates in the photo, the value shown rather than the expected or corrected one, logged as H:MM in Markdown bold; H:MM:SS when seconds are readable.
**10:21:35**
